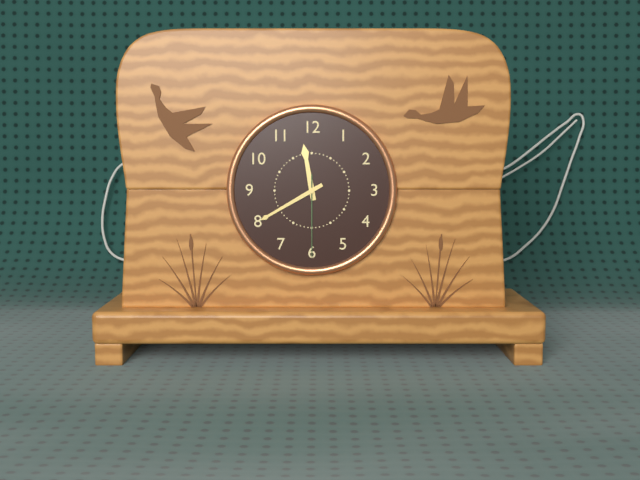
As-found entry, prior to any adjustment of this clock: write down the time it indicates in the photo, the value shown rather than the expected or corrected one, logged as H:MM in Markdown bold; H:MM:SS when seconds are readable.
**11:40:30**
